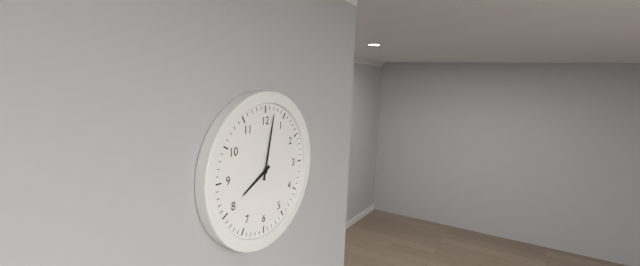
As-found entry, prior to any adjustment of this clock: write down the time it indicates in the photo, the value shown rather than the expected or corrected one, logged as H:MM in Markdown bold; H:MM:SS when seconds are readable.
**8:02**
